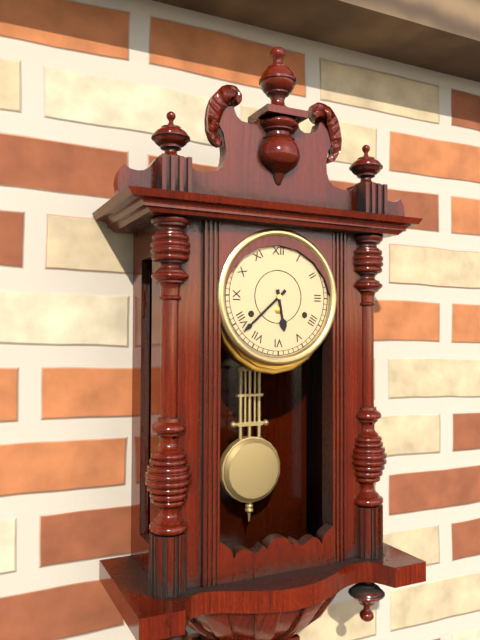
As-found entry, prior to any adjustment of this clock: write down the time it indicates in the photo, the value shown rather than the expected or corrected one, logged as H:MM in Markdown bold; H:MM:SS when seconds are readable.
**5:38**
